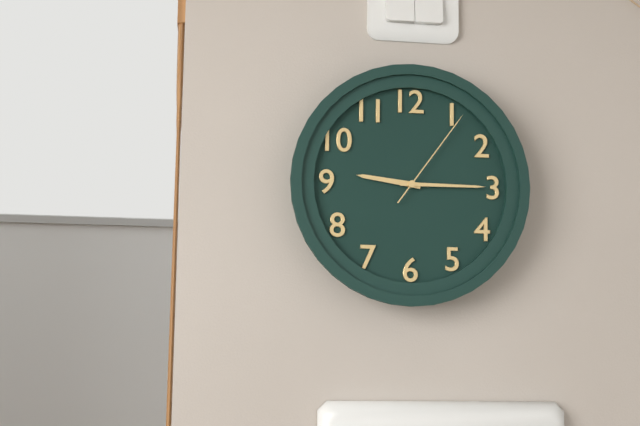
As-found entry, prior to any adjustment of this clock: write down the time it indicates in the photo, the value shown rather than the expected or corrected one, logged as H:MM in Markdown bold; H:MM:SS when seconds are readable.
**9:15:06**
